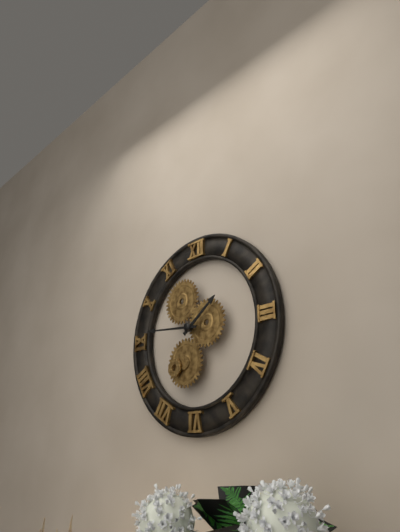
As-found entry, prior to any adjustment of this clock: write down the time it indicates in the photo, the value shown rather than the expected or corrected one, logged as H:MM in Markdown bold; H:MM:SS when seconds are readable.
**1:46**
